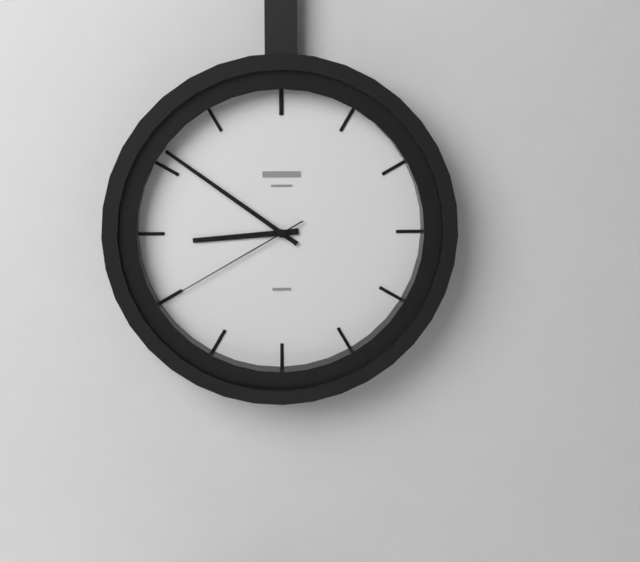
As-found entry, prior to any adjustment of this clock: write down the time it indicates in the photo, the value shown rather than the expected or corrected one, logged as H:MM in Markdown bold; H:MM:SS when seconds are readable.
**8:51:40**
